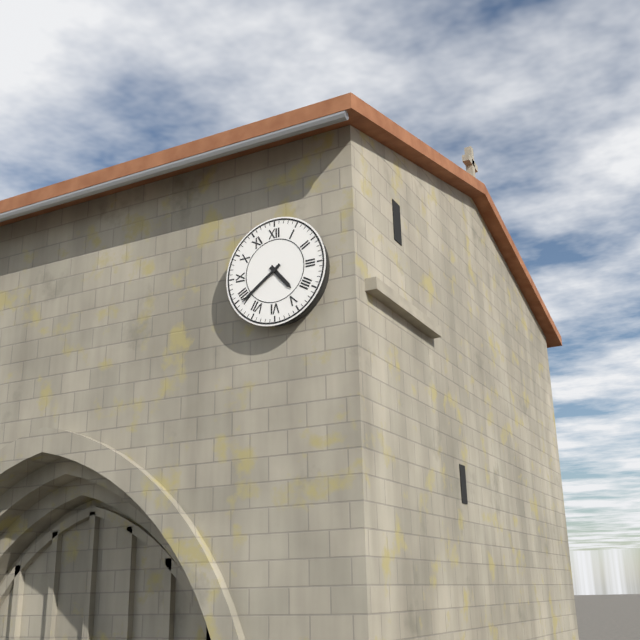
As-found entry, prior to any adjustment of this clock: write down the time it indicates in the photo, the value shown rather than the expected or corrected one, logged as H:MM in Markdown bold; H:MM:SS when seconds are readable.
**4:39**
